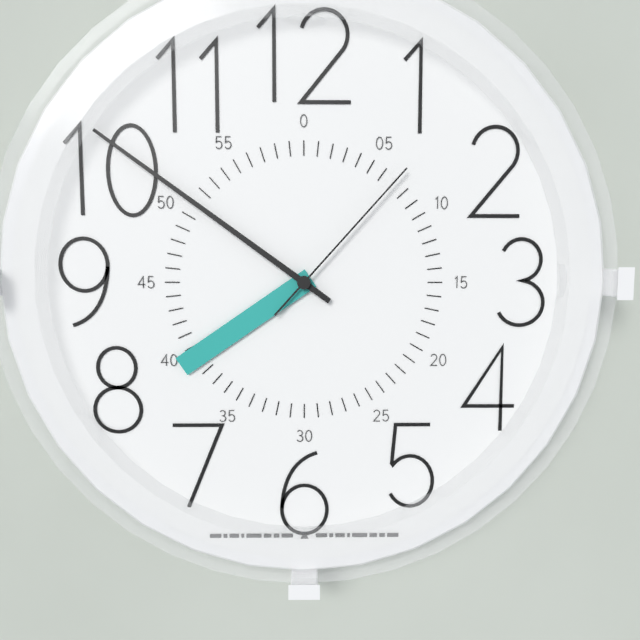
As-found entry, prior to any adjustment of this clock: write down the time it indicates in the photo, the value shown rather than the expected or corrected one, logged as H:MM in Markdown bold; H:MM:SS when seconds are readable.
**7:51:07**
